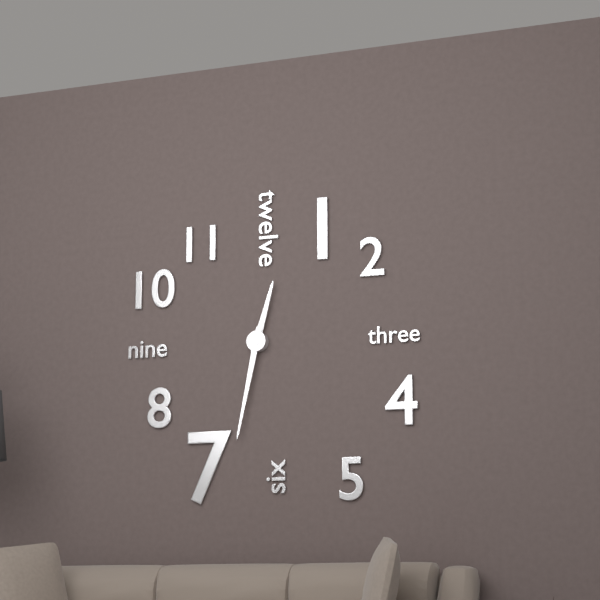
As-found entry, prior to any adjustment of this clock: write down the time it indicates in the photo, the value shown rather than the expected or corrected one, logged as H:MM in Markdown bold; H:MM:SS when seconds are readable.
**12:32**
